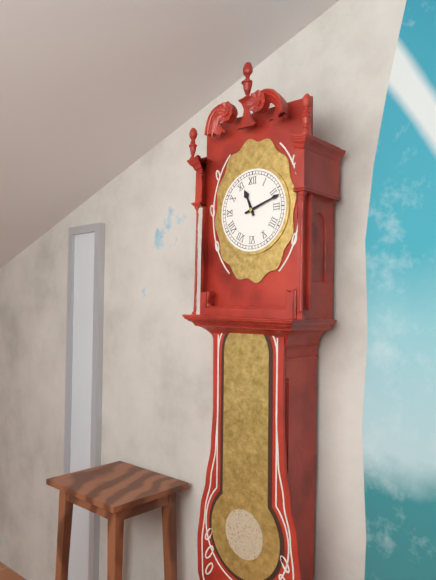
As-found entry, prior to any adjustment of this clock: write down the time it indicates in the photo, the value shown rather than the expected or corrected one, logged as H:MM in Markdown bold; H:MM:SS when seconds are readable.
**11:12**
